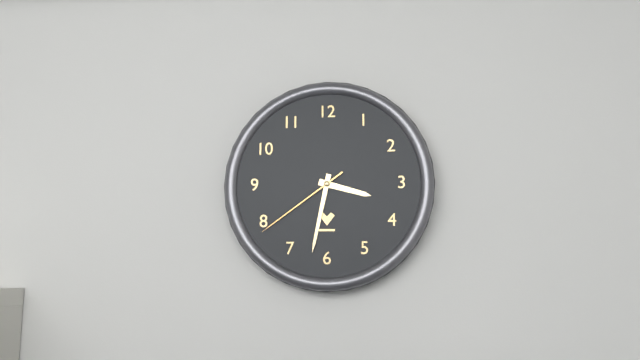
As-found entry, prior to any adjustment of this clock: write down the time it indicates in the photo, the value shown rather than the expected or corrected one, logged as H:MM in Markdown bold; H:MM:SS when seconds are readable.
**3:32:39**
